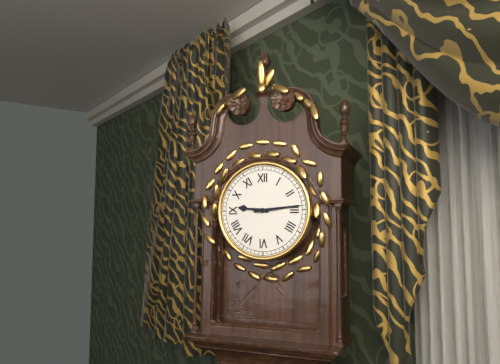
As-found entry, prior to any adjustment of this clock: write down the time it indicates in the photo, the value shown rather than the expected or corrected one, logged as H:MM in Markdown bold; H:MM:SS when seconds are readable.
**9:14**
